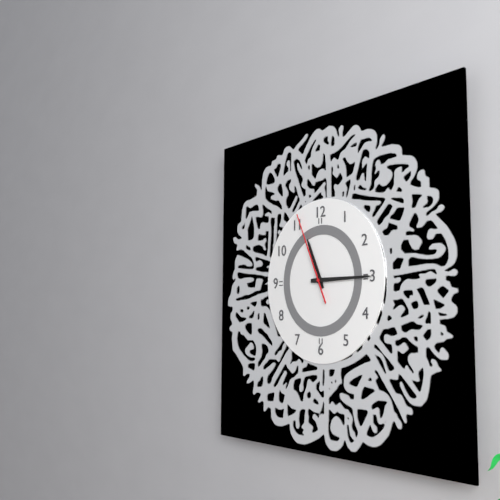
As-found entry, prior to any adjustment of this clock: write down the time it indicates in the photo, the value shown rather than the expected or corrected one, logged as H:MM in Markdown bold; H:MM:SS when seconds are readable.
**11:15:56**
